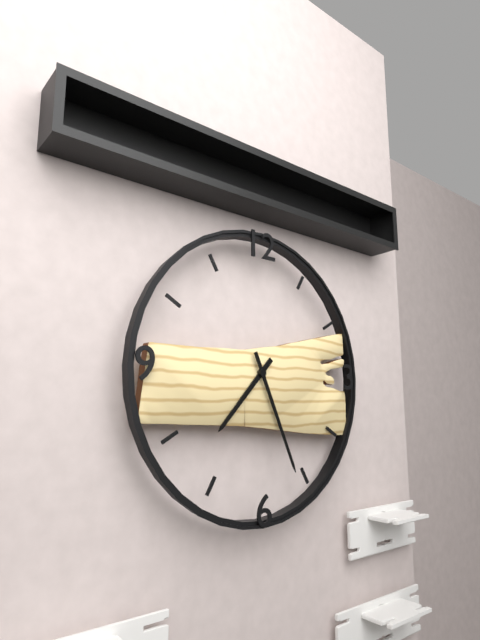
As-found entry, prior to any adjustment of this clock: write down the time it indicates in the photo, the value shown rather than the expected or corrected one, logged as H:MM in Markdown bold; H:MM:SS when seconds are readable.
**7:26**
